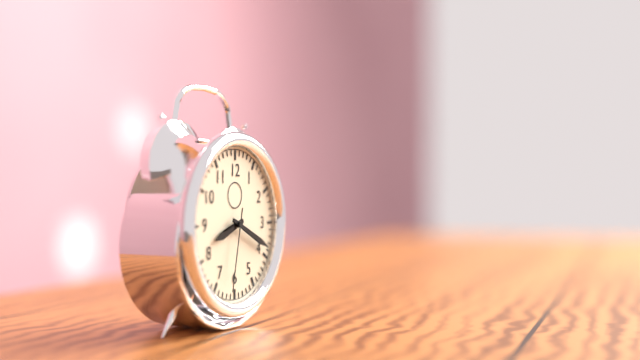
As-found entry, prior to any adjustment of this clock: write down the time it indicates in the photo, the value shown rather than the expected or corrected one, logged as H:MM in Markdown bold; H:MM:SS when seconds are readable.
**8:19:32**
